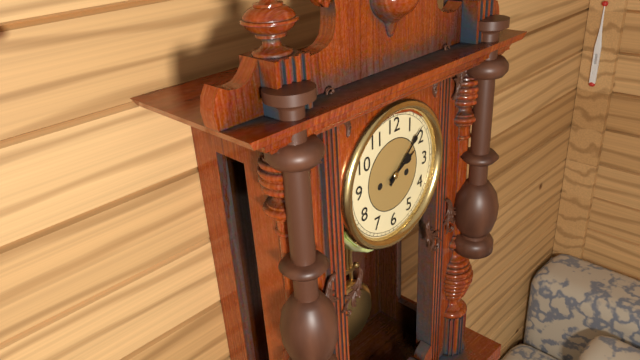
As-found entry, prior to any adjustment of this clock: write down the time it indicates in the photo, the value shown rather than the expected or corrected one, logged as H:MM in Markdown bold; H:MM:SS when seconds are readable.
**2:08**
